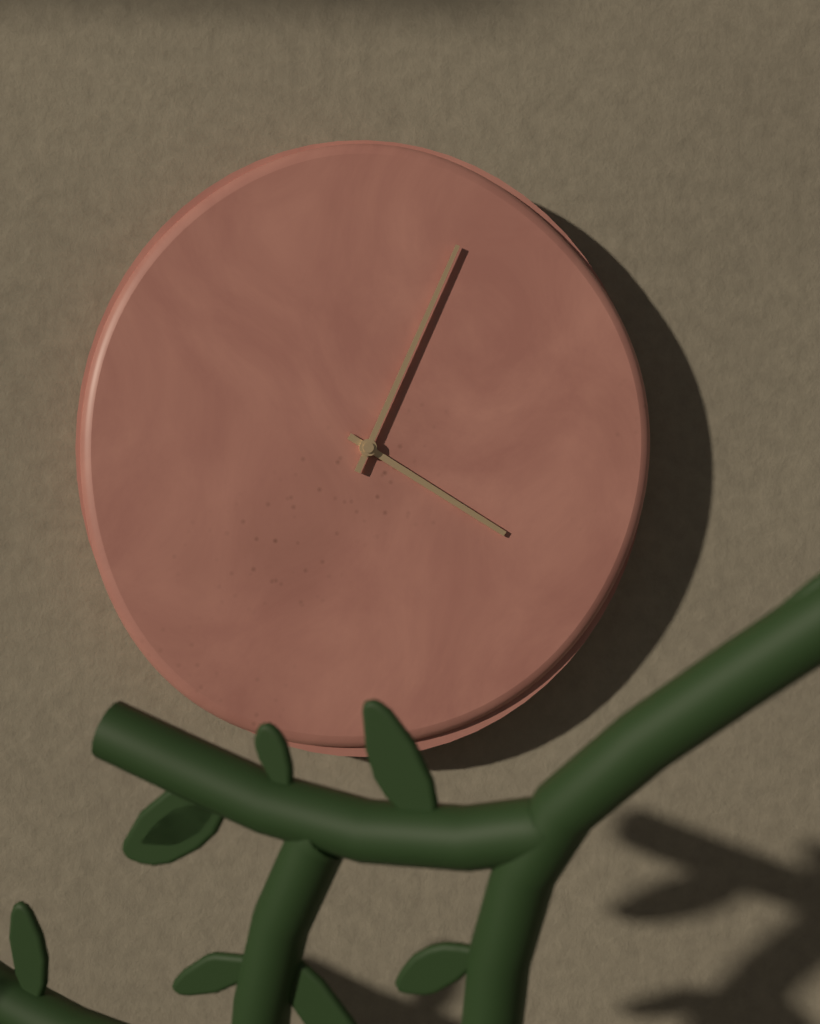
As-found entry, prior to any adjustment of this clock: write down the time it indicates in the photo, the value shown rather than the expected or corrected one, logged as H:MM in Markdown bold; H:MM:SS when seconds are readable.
**4:04**
